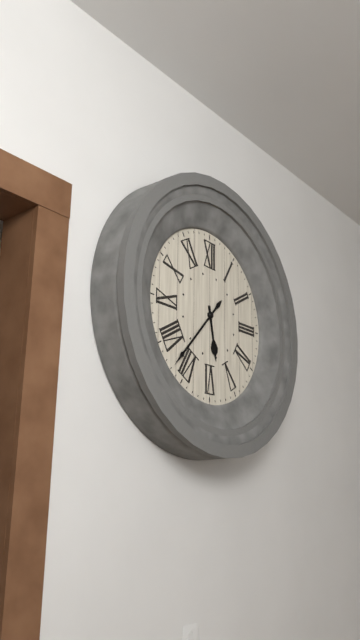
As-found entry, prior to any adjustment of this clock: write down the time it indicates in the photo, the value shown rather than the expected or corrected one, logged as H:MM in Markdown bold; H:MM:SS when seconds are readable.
**5:37**
